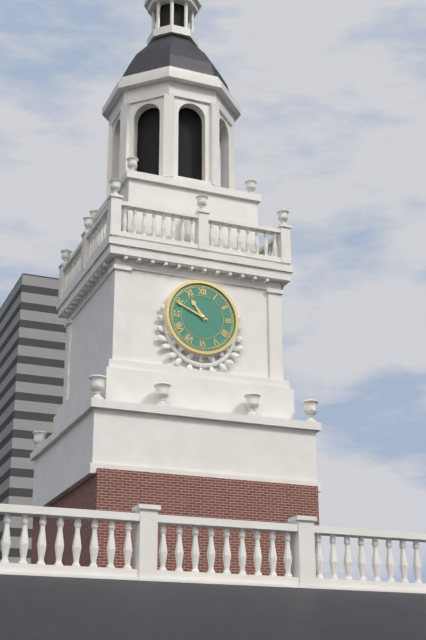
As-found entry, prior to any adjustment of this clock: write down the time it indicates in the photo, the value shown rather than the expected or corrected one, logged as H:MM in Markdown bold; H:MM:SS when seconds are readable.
**10:49**
